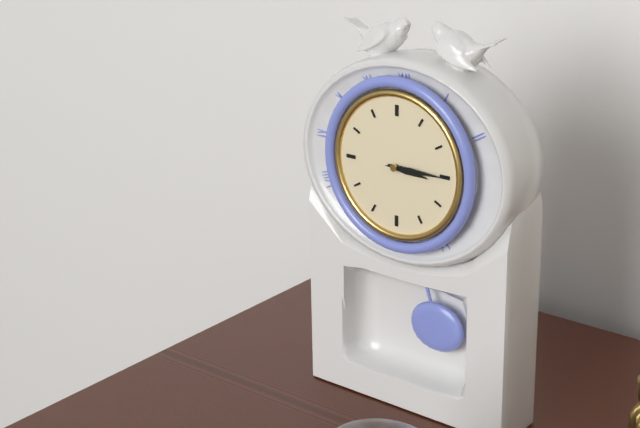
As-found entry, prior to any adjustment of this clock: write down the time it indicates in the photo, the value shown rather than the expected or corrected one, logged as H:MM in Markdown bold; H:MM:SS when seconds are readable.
**3:15**
